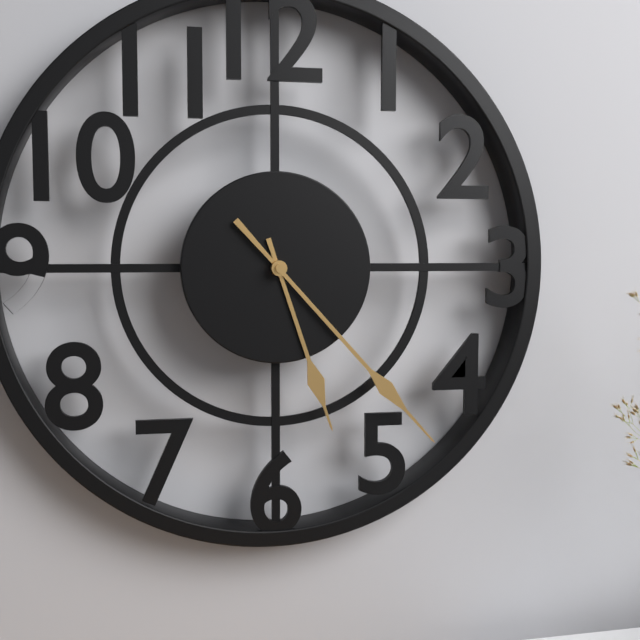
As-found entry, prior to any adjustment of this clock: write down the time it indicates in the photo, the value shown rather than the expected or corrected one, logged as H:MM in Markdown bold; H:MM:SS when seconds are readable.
**5:23**
